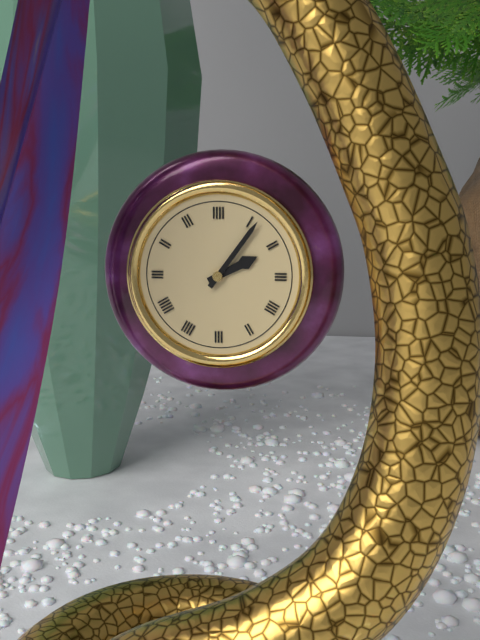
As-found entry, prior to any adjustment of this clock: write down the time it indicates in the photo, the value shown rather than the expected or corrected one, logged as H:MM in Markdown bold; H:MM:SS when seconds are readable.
**2:06**
